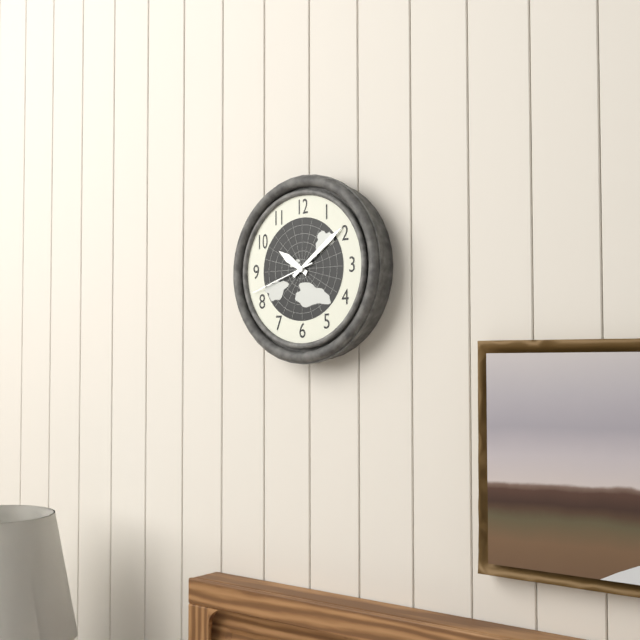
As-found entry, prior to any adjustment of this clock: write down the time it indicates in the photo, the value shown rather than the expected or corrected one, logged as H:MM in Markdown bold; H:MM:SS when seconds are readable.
**10:09:42**
